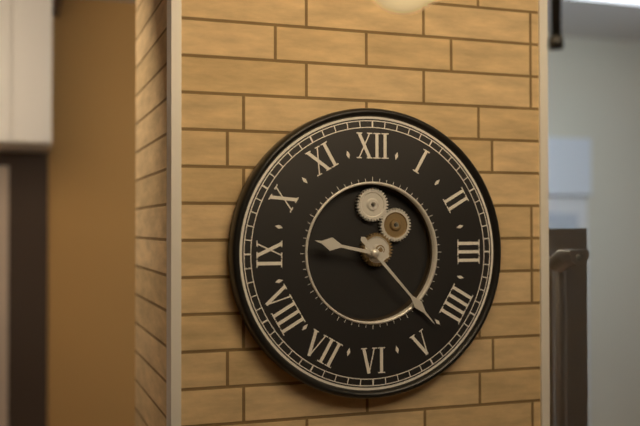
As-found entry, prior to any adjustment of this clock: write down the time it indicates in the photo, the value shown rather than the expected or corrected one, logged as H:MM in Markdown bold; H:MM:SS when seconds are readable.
**9:23**
